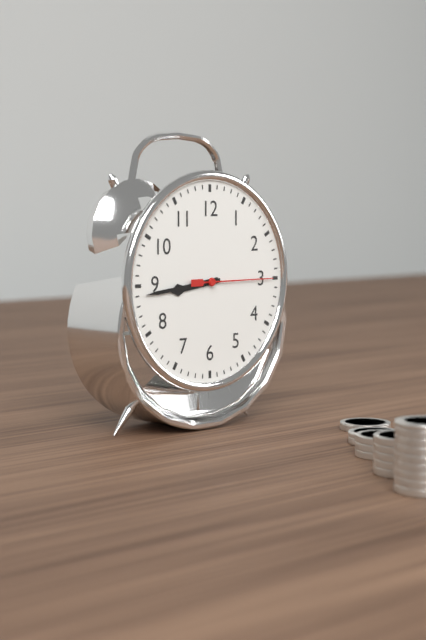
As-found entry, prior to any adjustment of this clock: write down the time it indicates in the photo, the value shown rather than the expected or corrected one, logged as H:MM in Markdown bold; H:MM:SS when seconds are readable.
**8:44:15**
